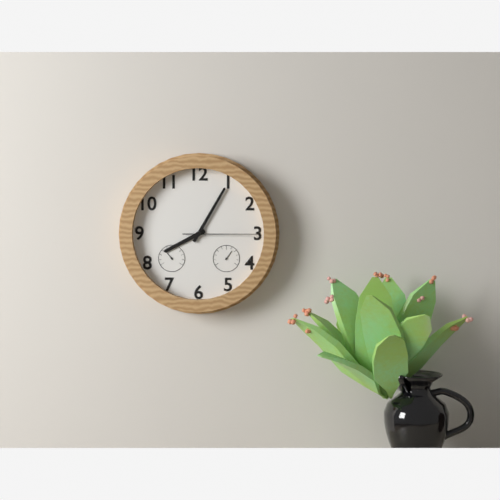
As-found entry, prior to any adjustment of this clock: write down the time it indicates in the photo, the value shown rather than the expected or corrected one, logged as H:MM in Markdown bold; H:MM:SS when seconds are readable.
**8:05:15**
